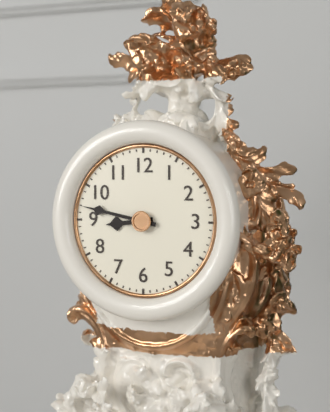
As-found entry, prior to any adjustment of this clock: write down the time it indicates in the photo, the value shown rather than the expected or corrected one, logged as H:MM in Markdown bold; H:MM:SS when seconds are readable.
**8:47**
